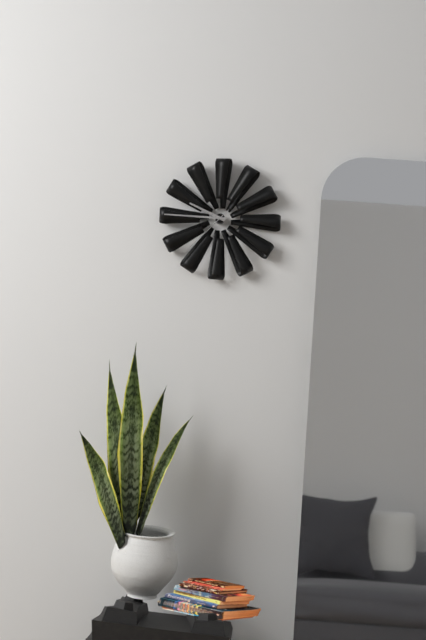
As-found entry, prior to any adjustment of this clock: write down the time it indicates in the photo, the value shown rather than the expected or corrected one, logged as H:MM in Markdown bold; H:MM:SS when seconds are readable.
**9:45:37**
